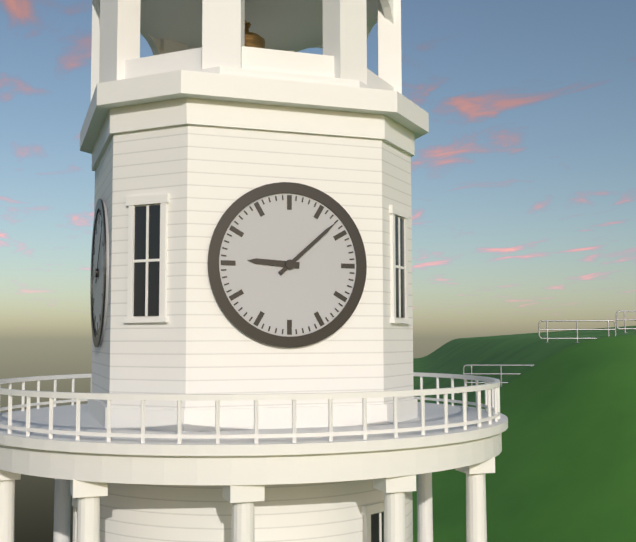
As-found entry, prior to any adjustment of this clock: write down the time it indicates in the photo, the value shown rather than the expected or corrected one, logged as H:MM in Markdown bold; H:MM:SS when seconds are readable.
**9:08**
